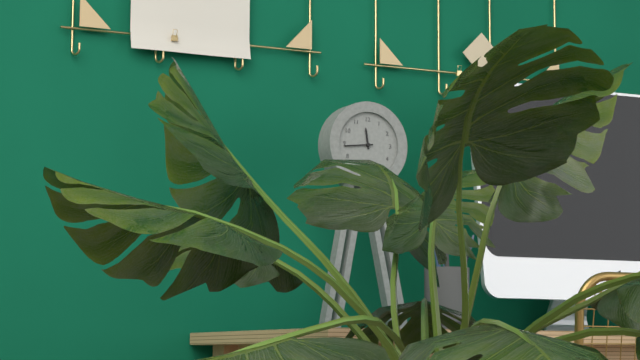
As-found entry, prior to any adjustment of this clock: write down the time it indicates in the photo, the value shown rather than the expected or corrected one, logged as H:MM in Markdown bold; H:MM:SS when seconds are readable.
**11:44**
